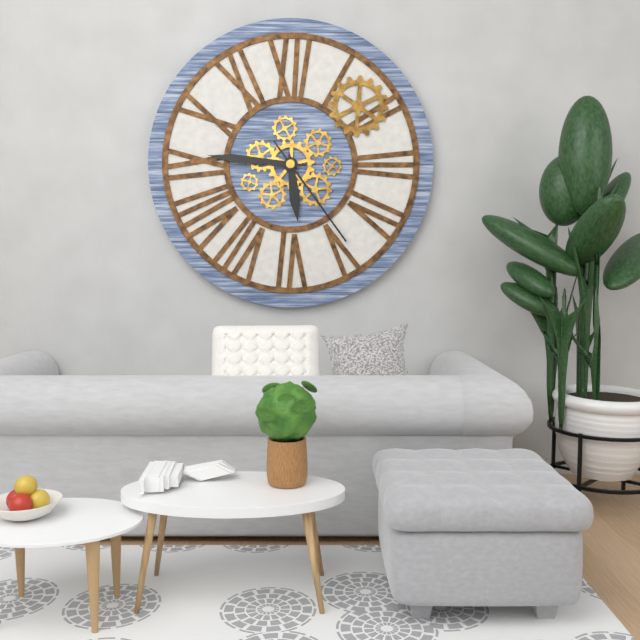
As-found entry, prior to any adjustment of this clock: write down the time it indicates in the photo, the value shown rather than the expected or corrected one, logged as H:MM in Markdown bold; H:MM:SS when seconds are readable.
**5:46:24**
